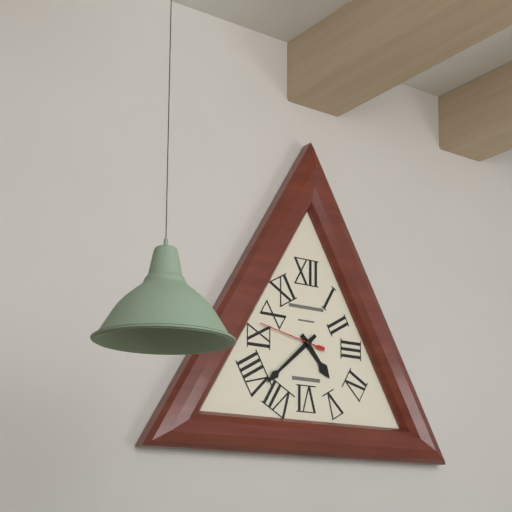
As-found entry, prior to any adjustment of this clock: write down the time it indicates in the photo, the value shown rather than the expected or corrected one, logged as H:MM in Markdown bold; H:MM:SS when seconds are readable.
**4:38:47**
